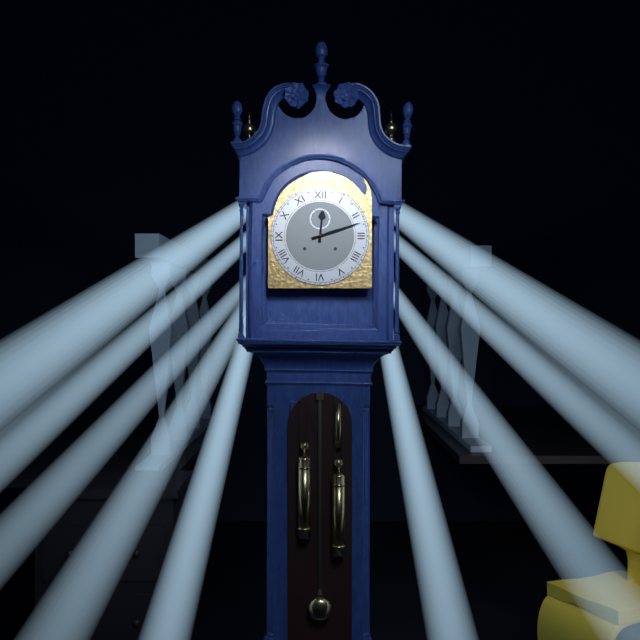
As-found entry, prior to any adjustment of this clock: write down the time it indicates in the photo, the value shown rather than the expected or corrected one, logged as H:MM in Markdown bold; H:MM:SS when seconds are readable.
**12:12**
